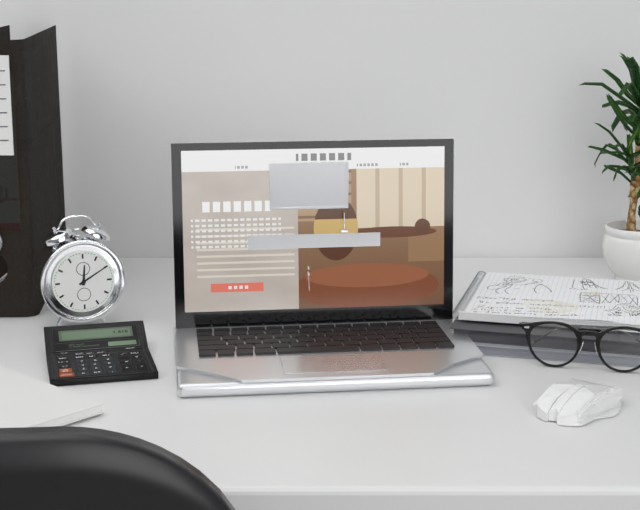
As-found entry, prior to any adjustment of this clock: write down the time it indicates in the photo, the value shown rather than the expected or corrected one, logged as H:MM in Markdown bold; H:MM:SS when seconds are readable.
**12:10**
